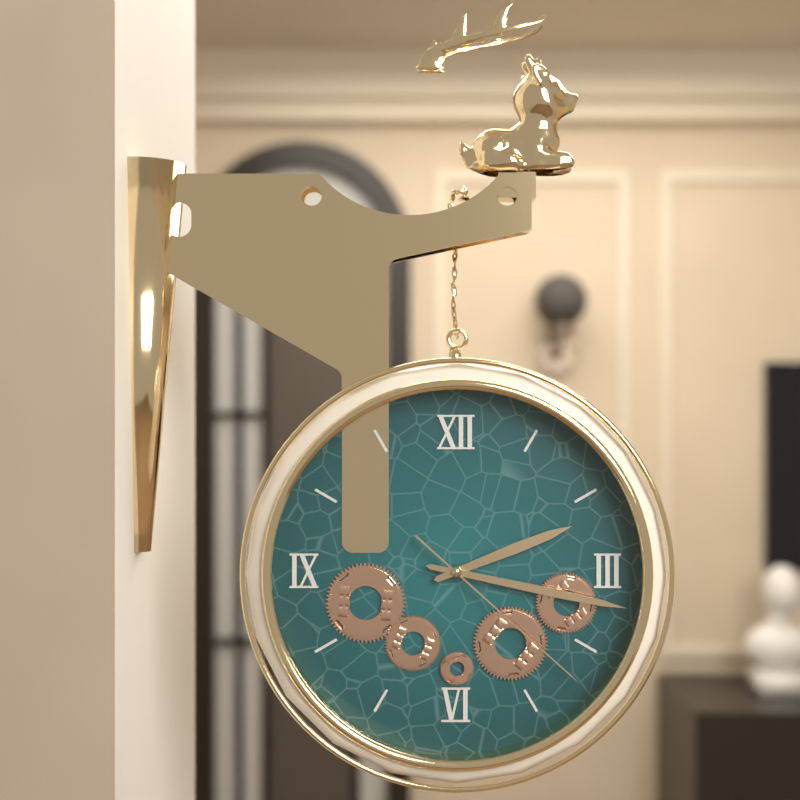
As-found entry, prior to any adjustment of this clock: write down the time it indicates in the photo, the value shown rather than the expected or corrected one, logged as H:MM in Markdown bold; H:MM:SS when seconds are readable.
**2:17:22**
